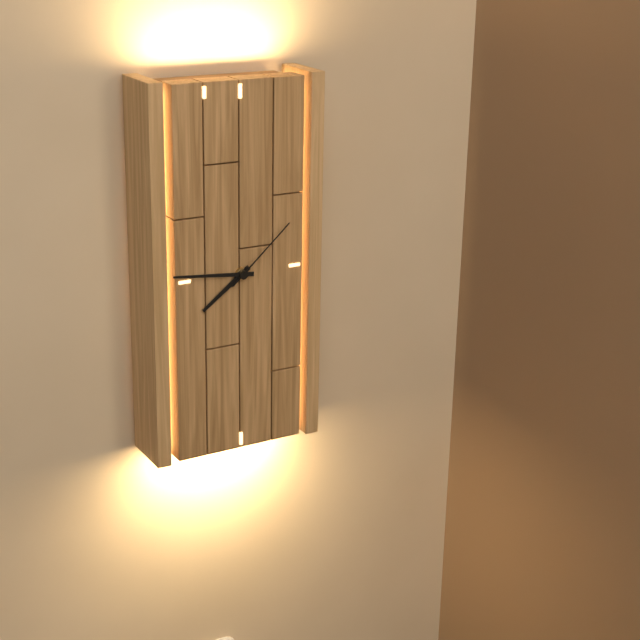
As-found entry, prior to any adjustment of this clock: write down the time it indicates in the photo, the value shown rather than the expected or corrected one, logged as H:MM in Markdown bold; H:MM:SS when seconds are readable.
**7:46:08**
